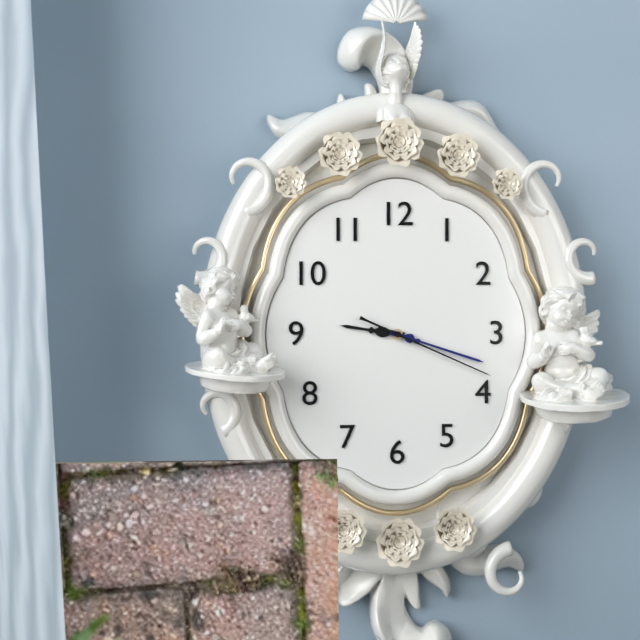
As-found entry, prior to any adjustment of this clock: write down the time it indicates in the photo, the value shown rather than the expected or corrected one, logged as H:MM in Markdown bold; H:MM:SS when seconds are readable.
**9:18:19**
